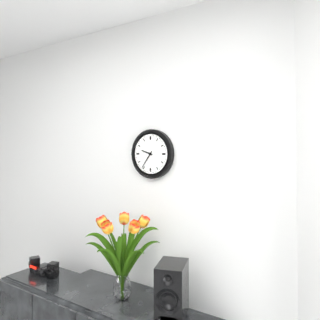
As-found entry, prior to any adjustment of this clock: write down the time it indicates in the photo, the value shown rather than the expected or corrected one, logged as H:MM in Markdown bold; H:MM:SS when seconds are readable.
**9:36**
